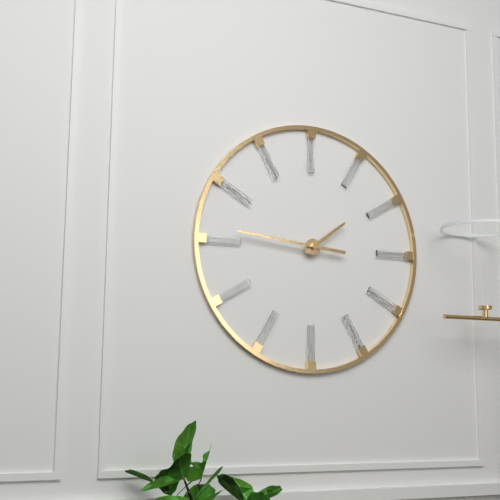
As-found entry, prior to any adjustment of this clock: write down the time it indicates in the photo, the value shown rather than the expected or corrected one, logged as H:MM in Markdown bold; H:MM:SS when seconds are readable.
**1:46**
